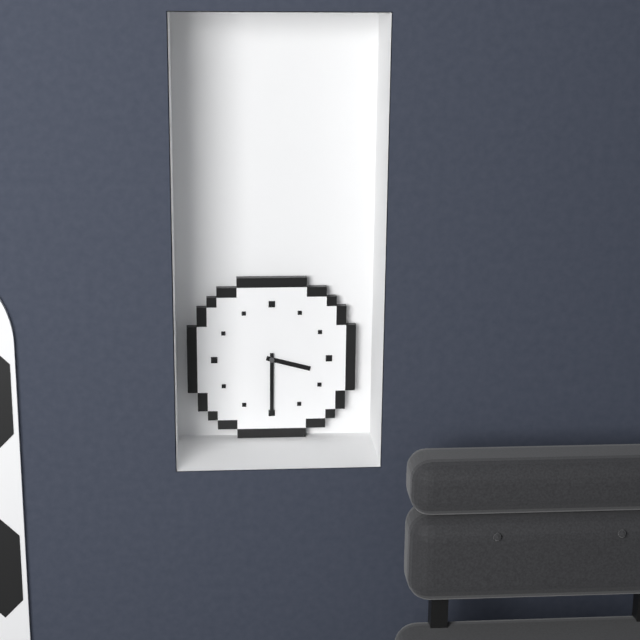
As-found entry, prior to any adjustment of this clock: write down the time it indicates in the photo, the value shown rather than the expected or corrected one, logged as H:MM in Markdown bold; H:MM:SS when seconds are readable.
**3:30**
